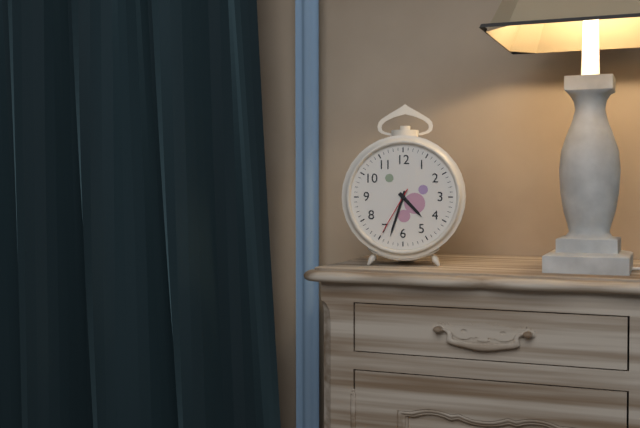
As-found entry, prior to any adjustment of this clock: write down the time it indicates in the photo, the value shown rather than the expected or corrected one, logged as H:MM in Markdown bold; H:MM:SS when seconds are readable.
**4:33:35**
